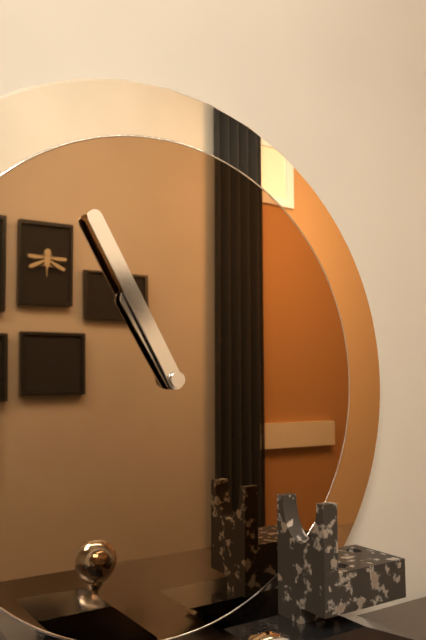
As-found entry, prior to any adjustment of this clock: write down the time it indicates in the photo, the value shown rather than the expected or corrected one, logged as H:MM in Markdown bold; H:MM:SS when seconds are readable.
**10:55**
